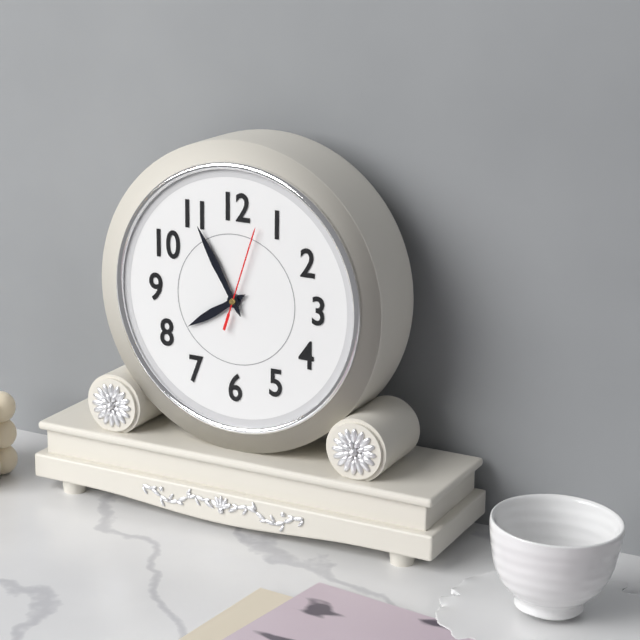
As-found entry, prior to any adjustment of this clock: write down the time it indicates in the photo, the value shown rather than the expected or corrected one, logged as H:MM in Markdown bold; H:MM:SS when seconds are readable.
**7:55:03**
